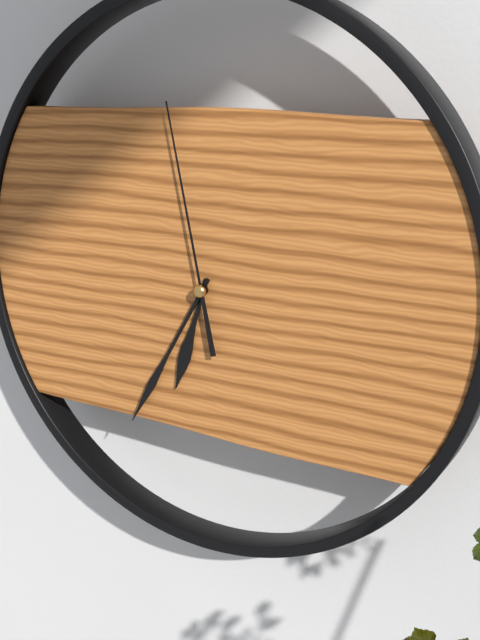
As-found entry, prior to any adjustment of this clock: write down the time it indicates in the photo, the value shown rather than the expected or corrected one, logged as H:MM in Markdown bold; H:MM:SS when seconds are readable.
**6:35:58**
